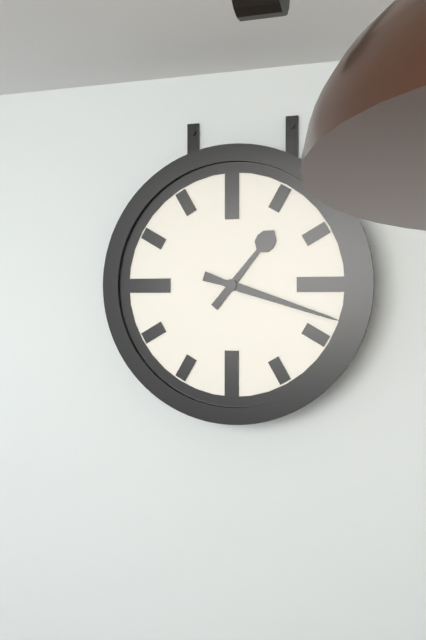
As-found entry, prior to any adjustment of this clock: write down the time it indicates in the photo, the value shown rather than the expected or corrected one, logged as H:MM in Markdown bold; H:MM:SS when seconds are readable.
**1:18**
